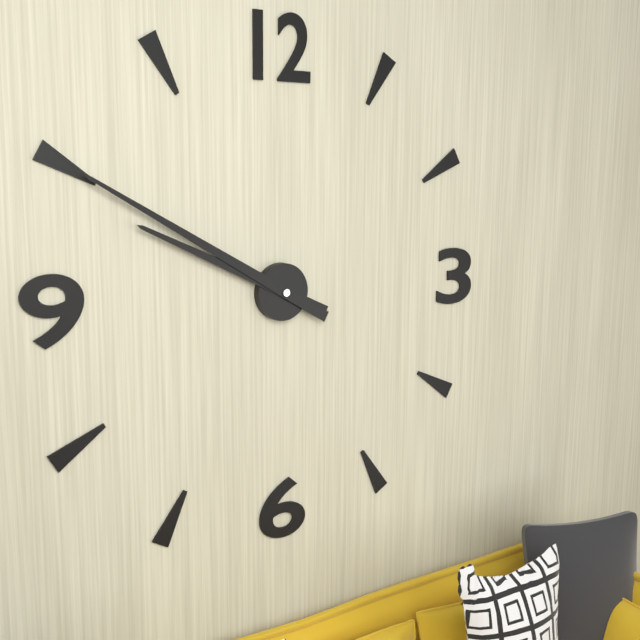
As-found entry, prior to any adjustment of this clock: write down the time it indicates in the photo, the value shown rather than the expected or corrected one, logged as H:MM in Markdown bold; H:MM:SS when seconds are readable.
**9:50**
